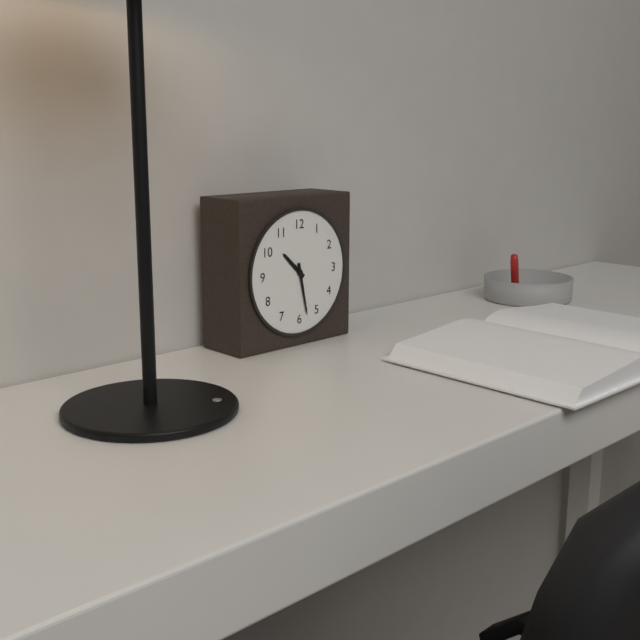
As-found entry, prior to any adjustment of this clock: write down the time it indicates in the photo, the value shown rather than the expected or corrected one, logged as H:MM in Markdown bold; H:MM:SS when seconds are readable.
**10:28**
